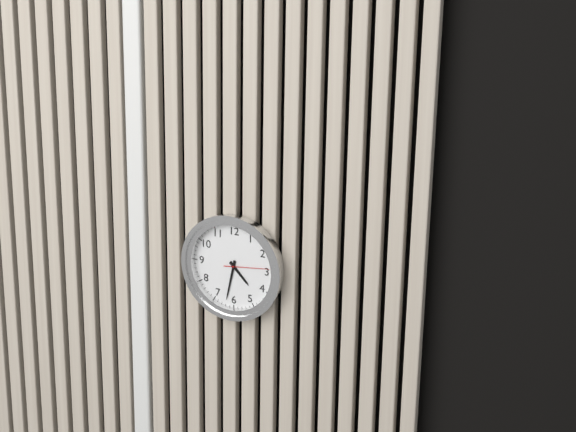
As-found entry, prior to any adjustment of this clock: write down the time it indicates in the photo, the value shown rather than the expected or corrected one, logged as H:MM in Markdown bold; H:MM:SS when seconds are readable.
**4:32**
